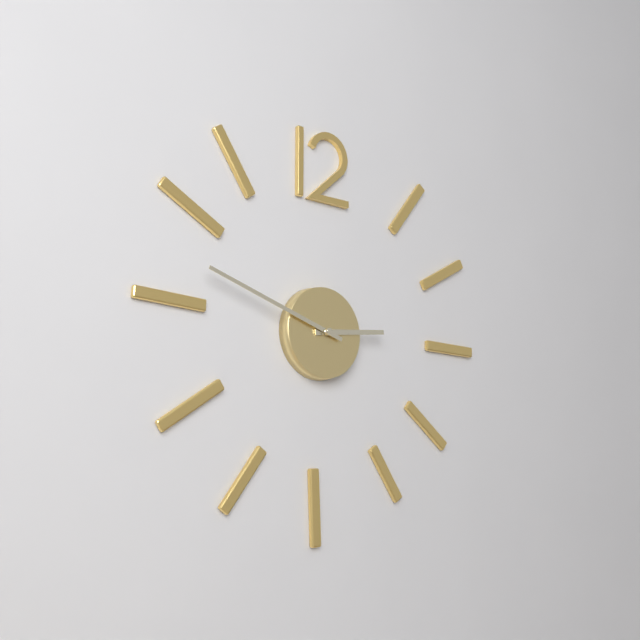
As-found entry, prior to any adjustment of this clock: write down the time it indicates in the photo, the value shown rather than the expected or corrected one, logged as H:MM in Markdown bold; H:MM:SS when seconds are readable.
**2:48**
